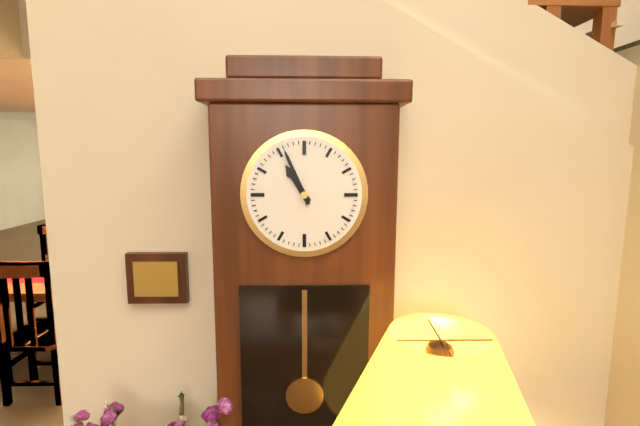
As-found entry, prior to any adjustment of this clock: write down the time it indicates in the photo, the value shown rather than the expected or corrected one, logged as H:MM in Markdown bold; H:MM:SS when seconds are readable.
**10:56**
